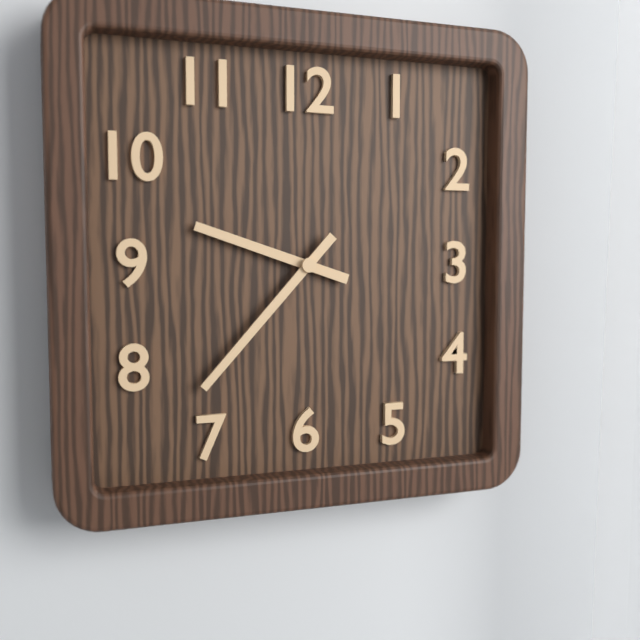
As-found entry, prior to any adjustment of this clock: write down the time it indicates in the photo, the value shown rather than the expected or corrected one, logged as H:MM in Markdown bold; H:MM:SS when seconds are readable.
**9:37**
